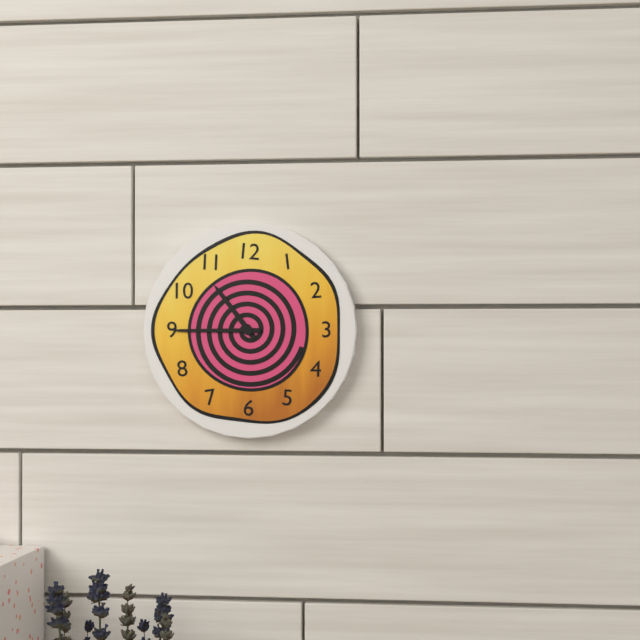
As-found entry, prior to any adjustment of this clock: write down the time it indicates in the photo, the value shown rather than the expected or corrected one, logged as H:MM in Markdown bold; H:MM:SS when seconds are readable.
**10:45**
